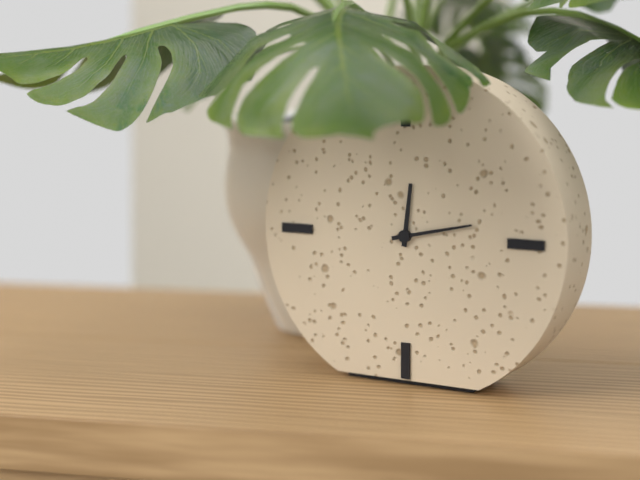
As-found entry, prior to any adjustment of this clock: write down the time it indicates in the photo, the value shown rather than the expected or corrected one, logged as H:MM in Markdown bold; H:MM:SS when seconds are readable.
**12:13**
